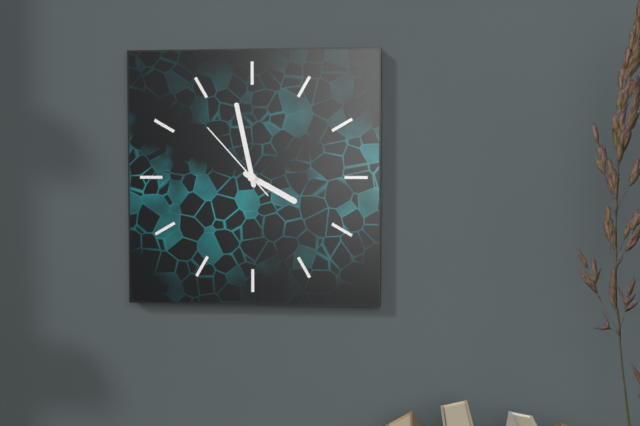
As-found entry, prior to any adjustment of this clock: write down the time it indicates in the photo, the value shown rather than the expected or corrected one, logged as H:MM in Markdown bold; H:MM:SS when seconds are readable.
**3:58:53**
